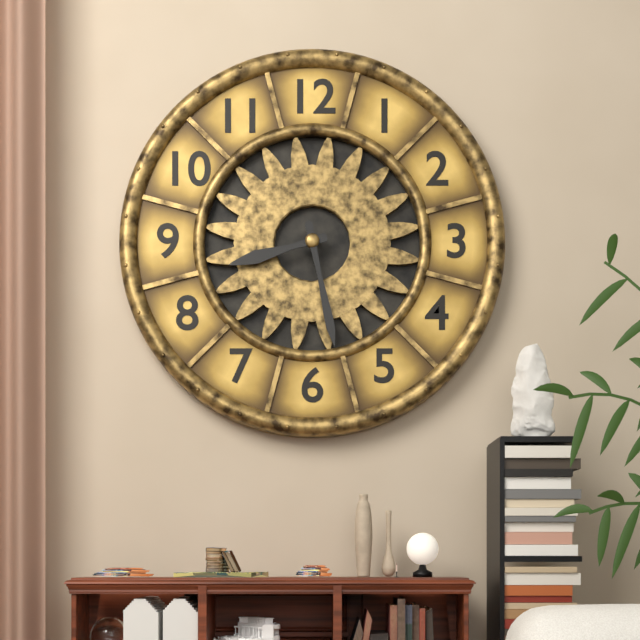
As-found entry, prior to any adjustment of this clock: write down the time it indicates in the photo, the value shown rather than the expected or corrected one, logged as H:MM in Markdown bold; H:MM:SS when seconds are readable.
**8:28**
